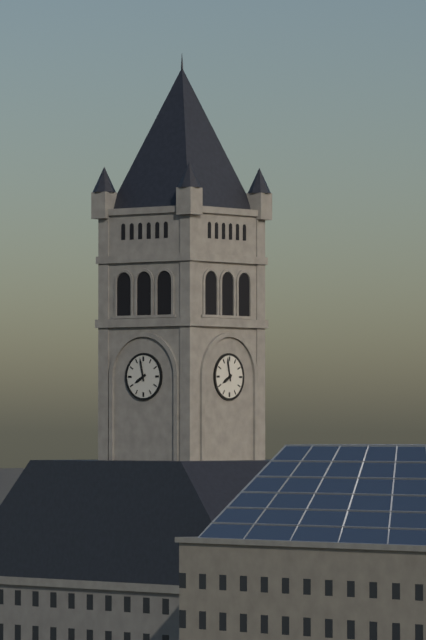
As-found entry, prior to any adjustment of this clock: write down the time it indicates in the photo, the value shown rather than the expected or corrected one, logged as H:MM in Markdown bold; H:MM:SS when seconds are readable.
**7:58**
